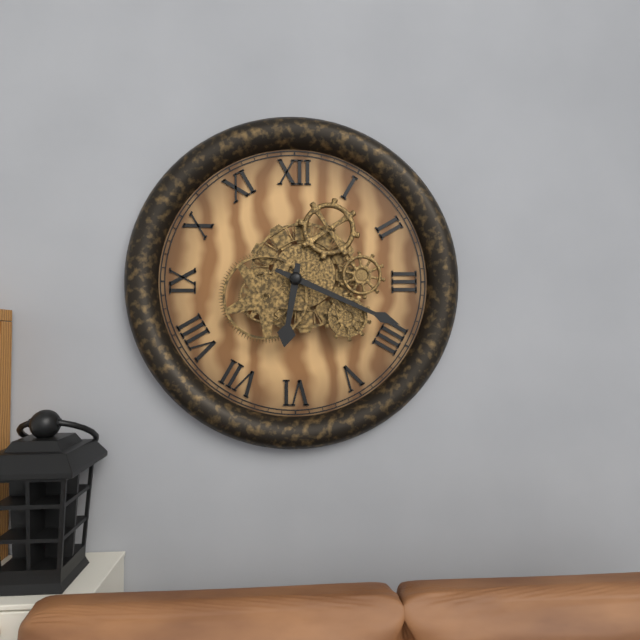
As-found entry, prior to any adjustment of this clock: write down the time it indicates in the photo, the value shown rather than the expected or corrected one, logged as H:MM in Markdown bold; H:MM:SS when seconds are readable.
**6:19**
